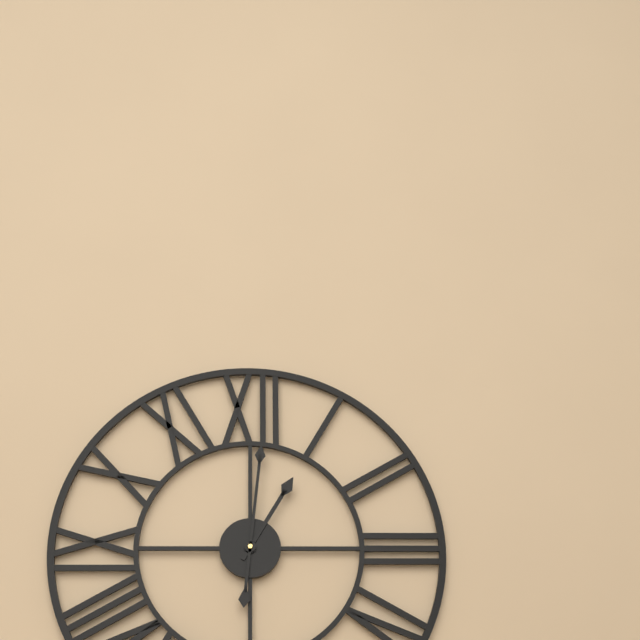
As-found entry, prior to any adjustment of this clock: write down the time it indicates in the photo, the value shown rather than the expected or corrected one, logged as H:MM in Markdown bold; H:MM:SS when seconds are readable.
**1:01**
